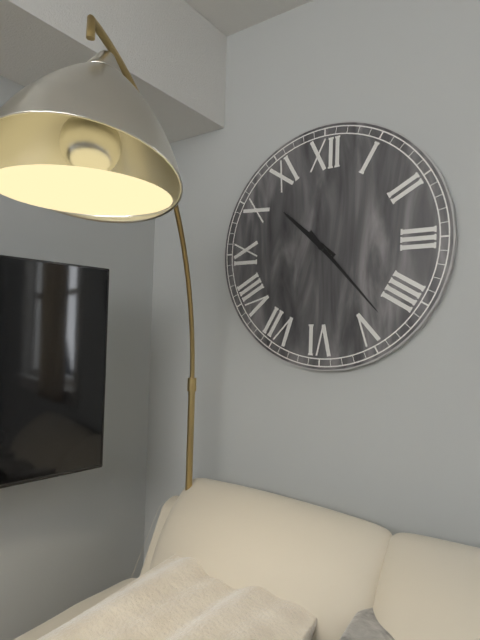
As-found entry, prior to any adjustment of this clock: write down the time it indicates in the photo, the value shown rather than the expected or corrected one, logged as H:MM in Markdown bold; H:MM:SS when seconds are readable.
**10:23**
